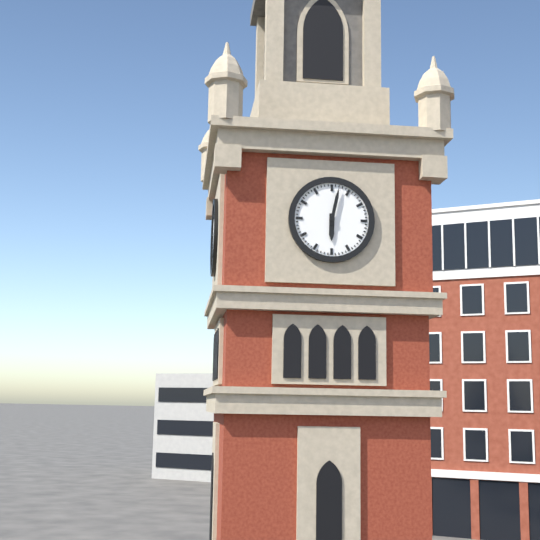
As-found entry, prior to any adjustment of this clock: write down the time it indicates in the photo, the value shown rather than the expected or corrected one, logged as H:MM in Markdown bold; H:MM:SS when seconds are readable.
**6:02**
